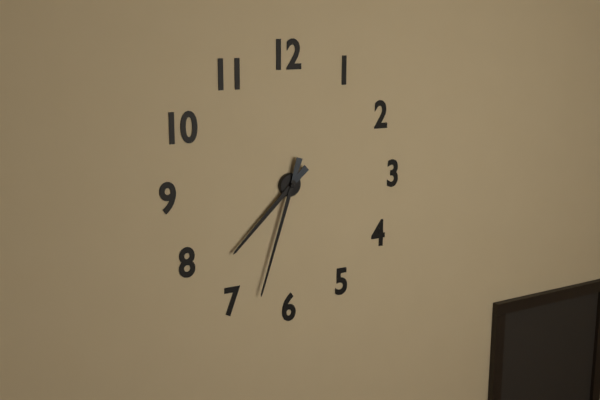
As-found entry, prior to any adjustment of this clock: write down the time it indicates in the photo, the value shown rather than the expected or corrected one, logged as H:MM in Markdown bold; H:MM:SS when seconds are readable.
**7:33**
